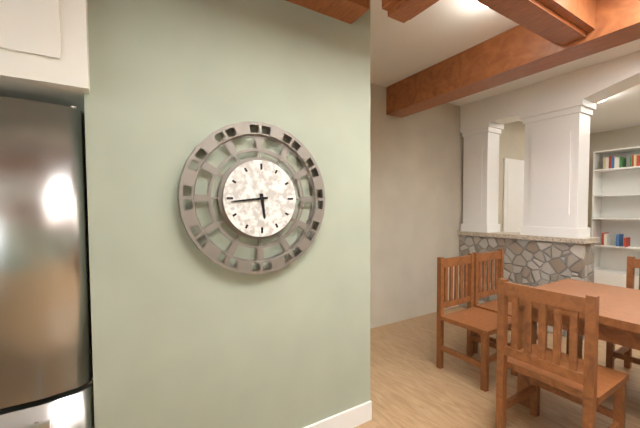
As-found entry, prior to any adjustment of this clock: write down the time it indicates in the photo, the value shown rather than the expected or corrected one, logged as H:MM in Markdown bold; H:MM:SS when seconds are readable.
**5:44**
